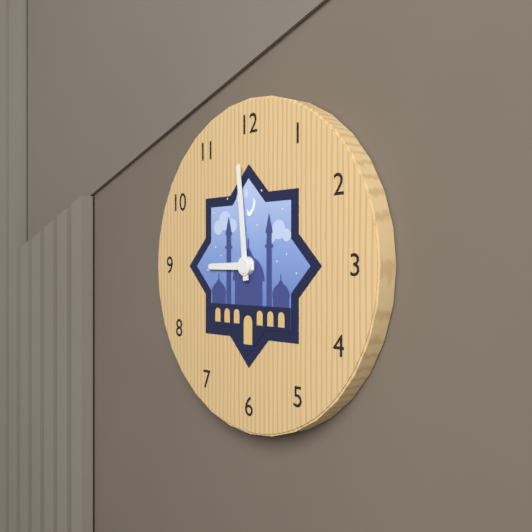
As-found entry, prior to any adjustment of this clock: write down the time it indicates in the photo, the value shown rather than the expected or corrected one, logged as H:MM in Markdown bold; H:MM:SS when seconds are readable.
**8:59**
